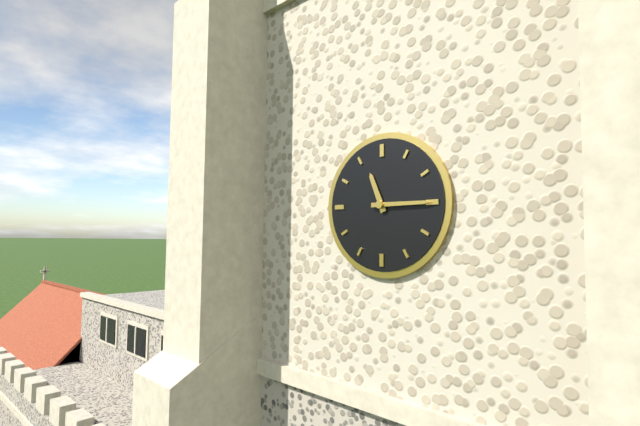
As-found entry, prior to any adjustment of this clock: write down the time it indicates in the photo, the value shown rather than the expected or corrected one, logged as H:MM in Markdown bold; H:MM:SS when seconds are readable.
**11:15**
